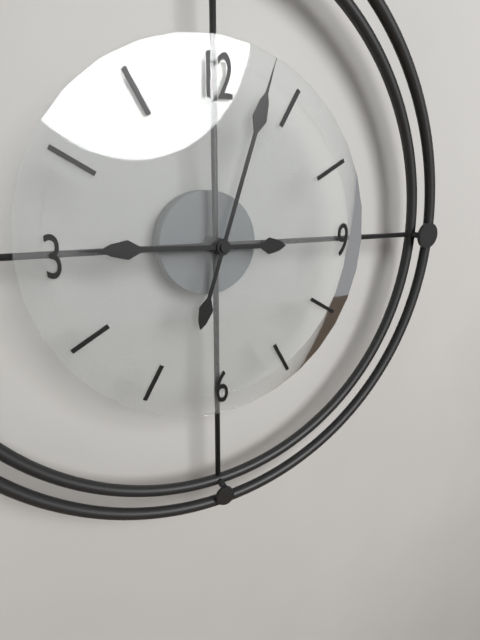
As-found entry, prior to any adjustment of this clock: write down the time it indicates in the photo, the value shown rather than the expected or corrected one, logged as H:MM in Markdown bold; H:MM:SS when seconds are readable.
**9:03**
